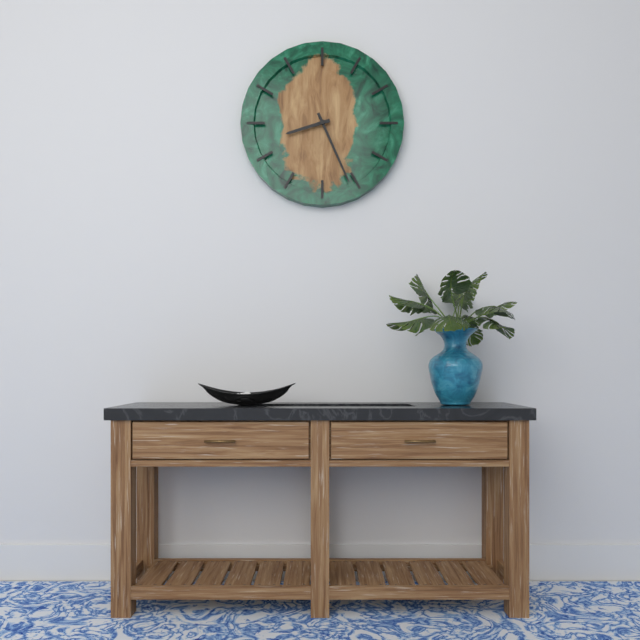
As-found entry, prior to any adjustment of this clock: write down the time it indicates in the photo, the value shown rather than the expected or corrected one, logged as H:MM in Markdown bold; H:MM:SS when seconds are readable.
**8:26**
